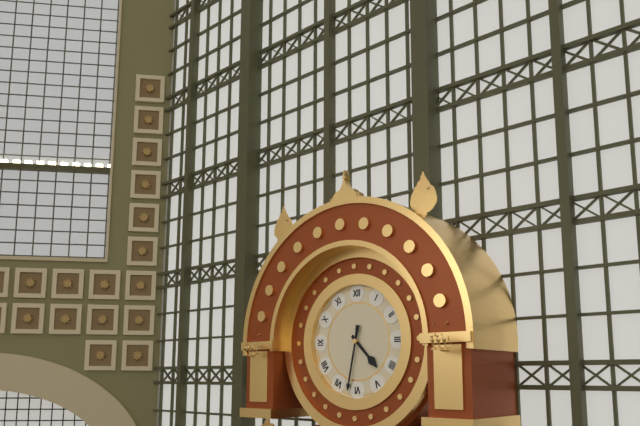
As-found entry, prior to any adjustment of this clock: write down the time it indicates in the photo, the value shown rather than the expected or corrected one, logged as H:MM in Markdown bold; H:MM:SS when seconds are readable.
**4:32**
